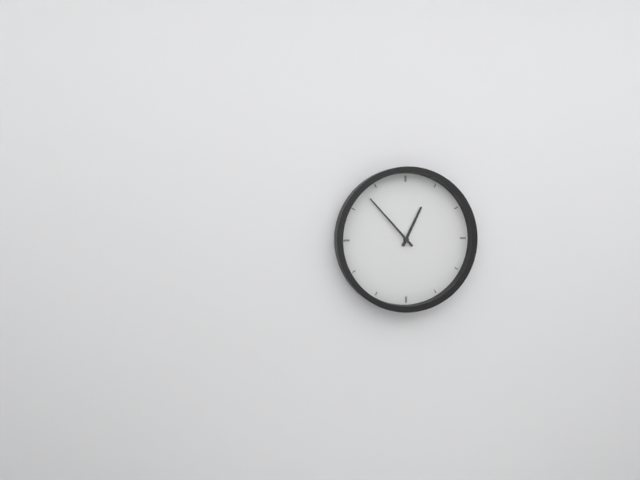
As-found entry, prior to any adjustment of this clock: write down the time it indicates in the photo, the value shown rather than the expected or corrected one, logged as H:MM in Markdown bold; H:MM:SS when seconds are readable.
**12:53**
